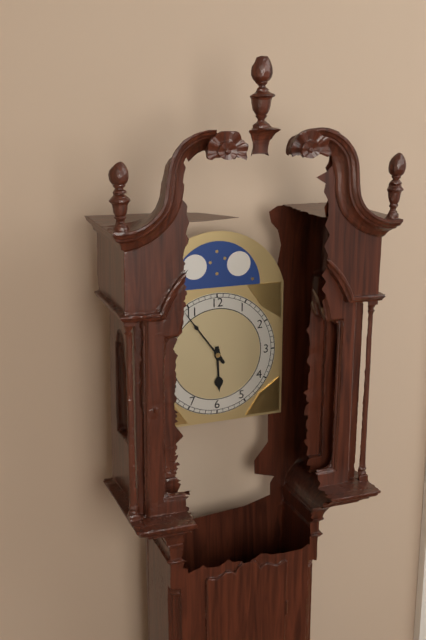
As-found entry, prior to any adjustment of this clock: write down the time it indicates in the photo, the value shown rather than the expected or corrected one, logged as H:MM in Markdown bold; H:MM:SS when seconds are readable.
**5:54**
